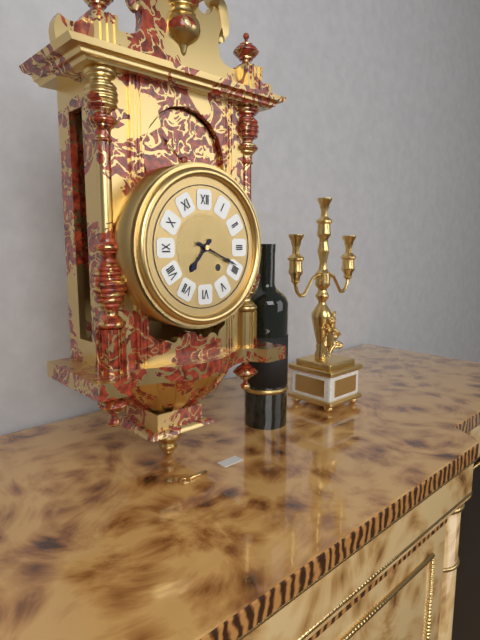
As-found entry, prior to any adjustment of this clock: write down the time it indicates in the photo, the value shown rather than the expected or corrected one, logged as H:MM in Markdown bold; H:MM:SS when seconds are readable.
**7:19**
